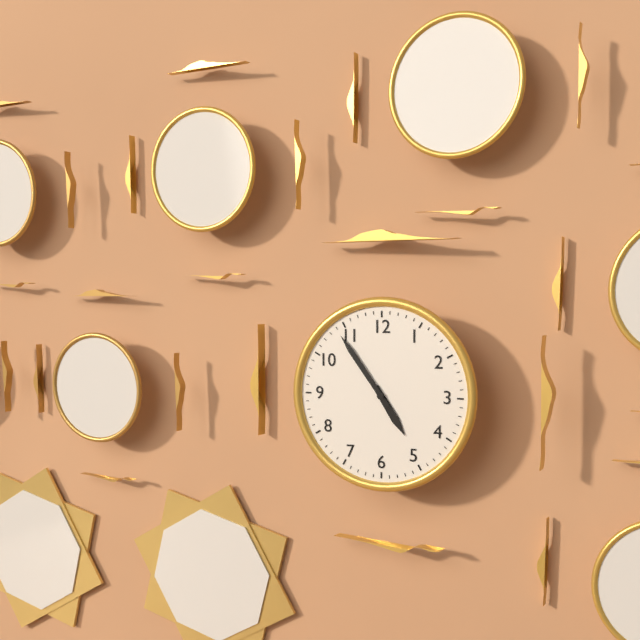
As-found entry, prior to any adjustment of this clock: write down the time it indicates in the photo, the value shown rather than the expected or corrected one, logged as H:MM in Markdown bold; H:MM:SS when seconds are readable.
**4:54**
